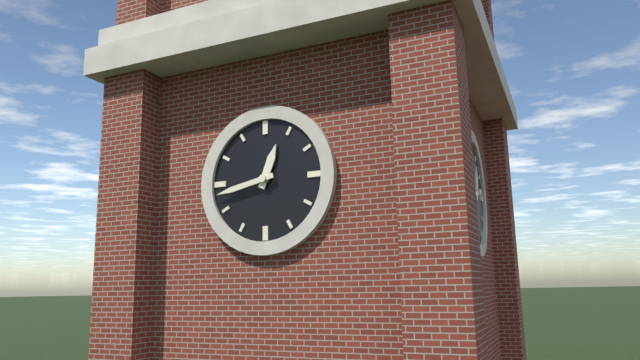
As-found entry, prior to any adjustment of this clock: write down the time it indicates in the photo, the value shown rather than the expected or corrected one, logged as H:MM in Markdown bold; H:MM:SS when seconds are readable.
**12:43**
